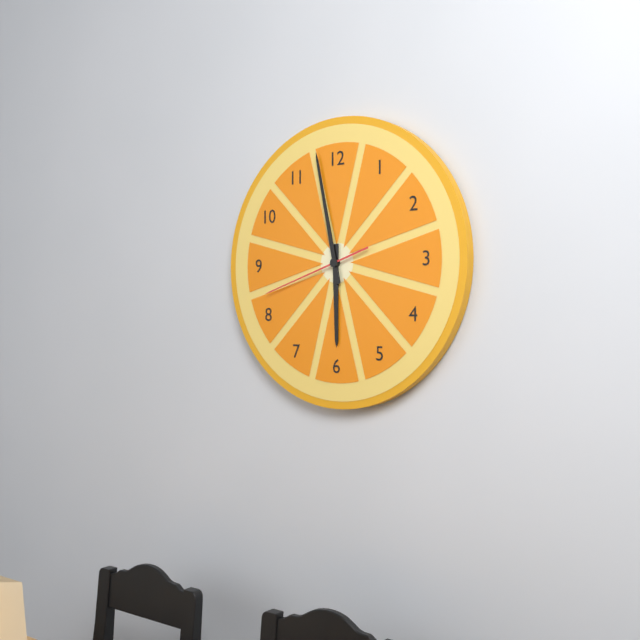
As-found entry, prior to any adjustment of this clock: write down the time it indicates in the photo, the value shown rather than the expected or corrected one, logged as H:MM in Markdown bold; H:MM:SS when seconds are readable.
**5:58:42**
